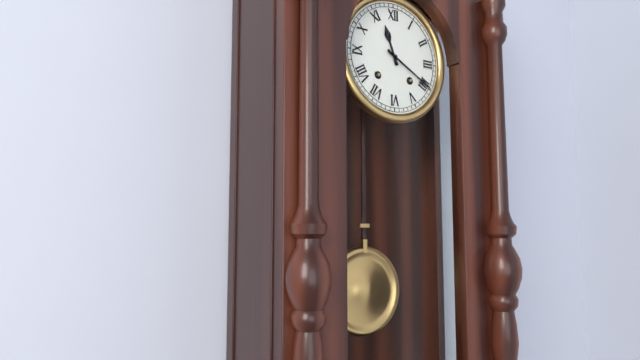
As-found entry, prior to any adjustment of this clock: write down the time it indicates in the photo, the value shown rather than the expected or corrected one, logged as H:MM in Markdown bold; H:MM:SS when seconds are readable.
**11:20**
